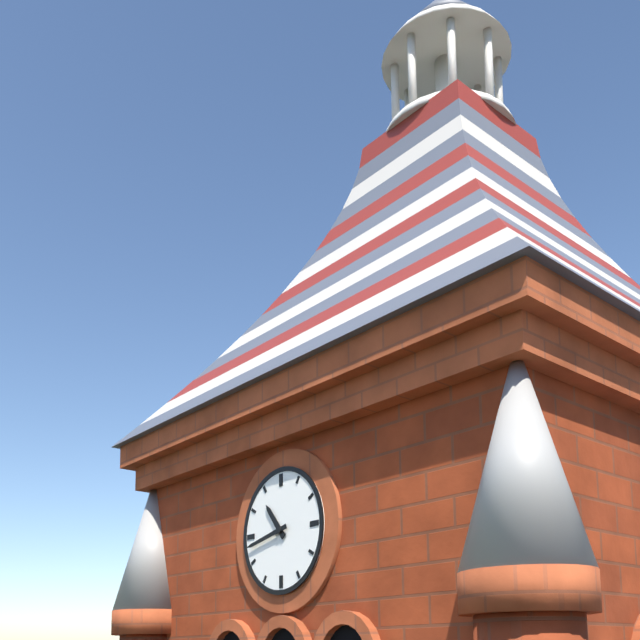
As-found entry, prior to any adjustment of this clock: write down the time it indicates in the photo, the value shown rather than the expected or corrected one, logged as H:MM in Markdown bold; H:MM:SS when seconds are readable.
**10:43**
